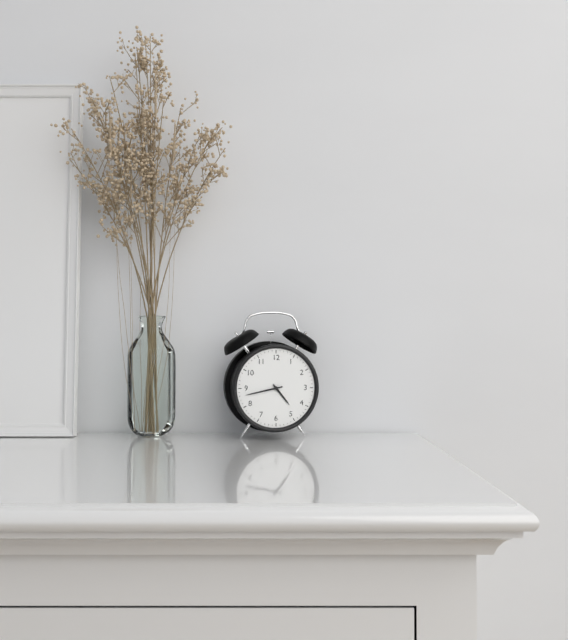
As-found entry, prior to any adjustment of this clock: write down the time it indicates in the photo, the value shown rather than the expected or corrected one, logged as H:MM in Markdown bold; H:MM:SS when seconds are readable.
**4:43**
